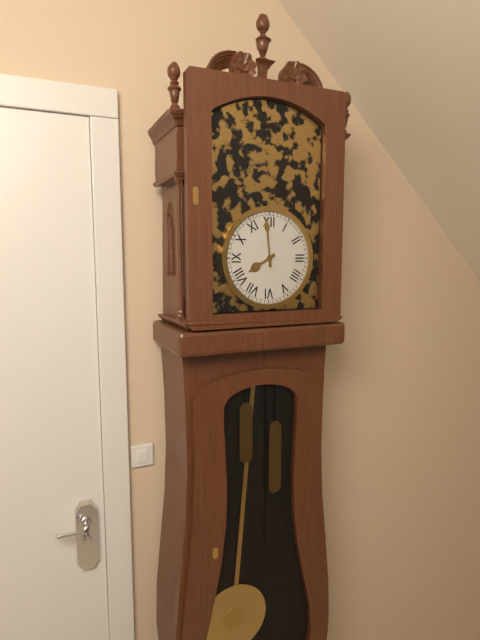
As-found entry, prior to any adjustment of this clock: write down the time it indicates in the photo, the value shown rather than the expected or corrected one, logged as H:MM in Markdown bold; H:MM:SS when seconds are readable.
**7:59**
